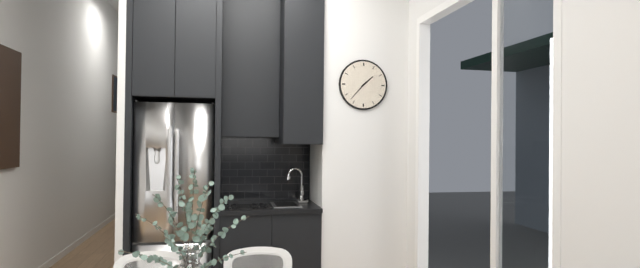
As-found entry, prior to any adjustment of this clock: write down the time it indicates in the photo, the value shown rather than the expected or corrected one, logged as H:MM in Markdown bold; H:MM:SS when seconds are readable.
**1:37**
